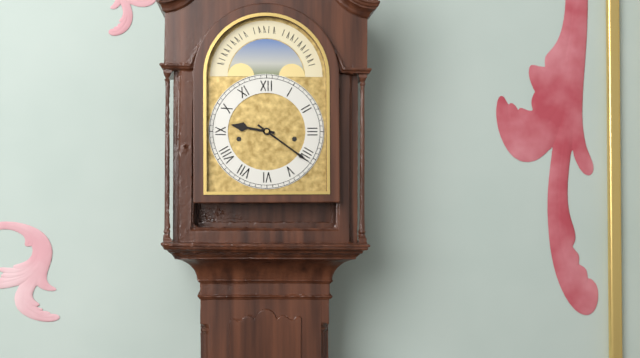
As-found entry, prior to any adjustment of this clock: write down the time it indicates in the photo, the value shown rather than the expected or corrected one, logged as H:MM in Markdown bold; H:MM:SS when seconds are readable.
**9:21**
